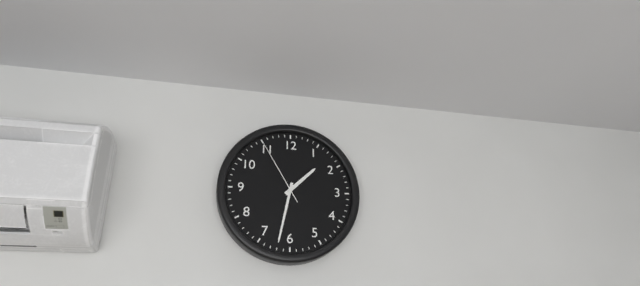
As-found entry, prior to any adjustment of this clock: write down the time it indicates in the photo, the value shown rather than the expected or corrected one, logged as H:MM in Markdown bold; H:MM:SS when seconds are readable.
**1:32:55**
